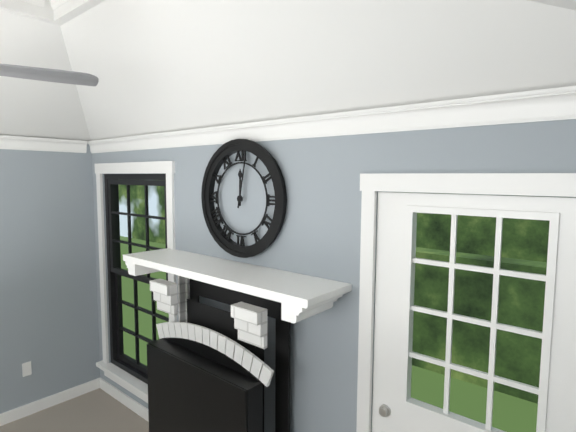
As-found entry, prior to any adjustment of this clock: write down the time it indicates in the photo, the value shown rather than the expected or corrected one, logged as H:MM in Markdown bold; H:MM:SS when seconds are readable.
**12:02**
